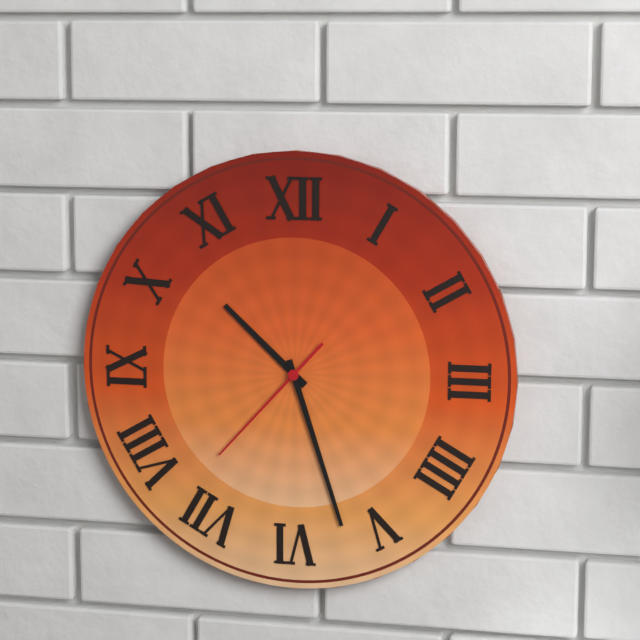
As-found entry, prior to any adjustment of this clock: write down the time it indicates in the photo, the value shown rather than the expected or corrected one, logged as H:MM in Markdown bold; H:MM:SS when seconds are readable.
**10:27:37**
